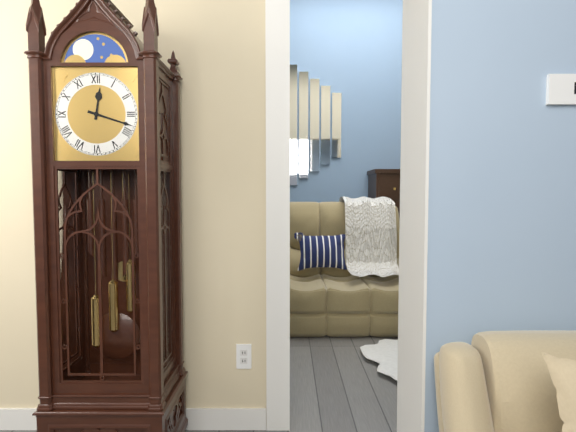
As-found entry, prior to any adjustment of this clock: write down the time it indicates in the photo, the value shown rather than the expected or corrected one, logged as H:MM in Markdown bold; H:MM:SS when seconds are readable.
**12:18**
